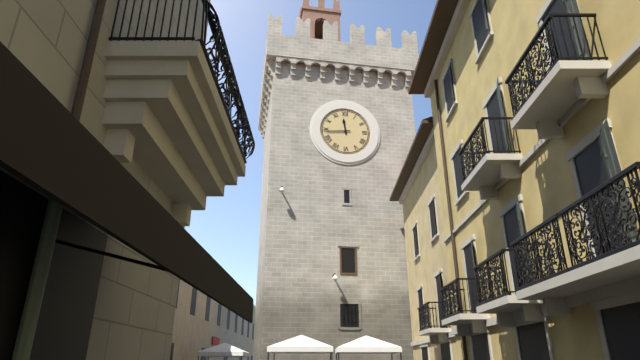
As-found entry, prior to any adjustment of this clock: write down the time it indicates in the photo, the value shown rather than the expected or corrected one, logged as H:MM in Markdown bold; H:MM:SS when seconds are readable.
**11:44**
